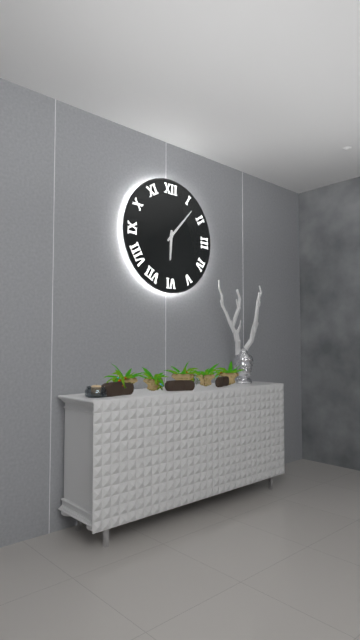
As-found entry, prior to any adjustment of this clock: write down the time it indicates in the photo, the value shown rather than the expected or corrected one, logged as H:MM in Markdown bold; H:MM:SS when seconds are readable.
**6:07**
